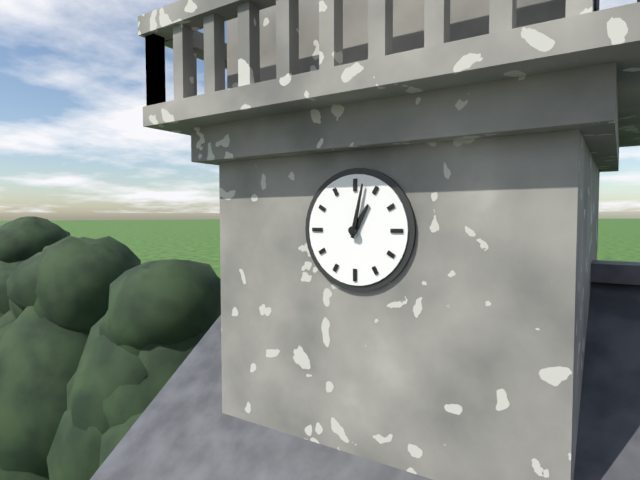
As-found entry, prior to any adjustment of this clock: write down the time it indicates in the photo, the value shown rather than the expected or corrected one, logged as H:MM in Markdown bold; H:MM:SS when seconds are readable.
**1:02**
